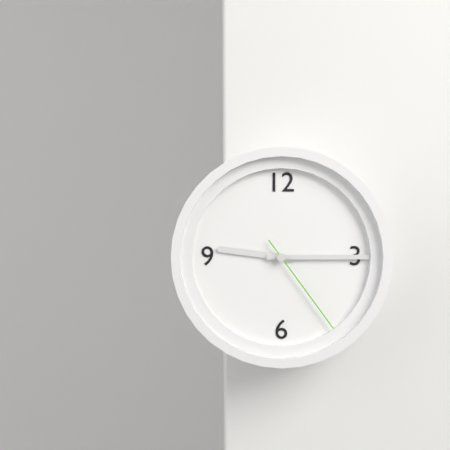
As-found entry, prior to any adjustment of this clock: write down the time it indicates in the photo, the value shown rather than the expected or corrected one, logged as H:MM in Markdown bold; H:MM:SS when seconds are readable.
**9:15:24**
